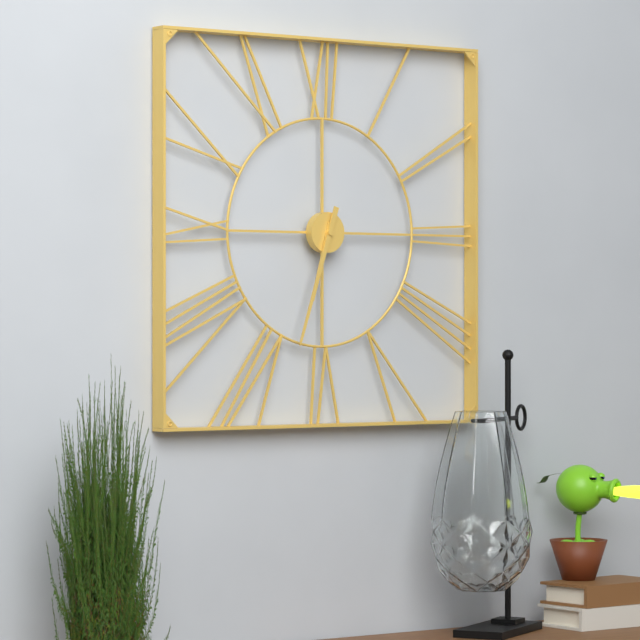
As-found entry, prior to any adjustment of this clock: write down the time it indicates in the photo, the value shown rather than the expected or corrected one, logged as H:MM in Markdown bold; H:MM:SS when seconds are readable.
**6:33**
